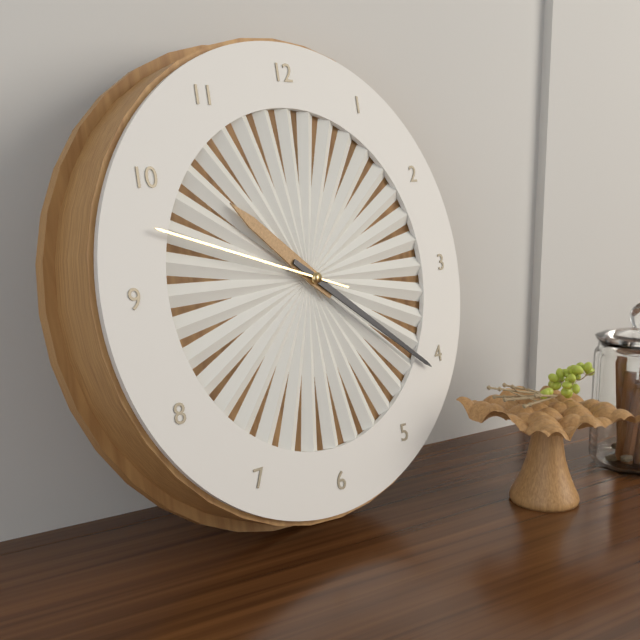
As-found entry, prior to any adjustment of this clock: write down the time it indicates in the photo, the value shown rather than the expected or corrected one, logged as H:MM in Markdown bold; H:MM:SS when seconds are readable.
**10:21:48**
